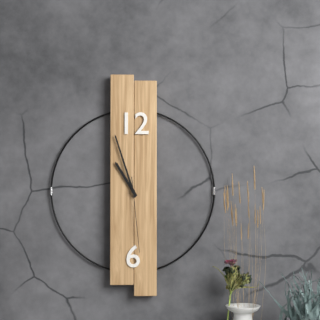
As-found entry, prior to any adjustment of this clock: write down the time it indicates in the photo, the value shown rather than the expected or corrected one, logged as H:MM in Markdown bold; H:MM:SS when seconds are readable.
**10:57:29**
